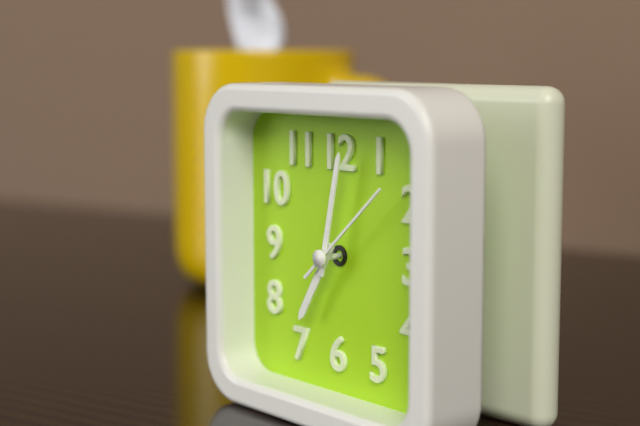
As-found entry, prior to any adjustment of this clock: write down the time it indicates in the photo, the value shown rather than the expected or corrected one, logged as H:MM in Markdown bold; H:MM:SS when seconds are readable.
**7:02:08**
